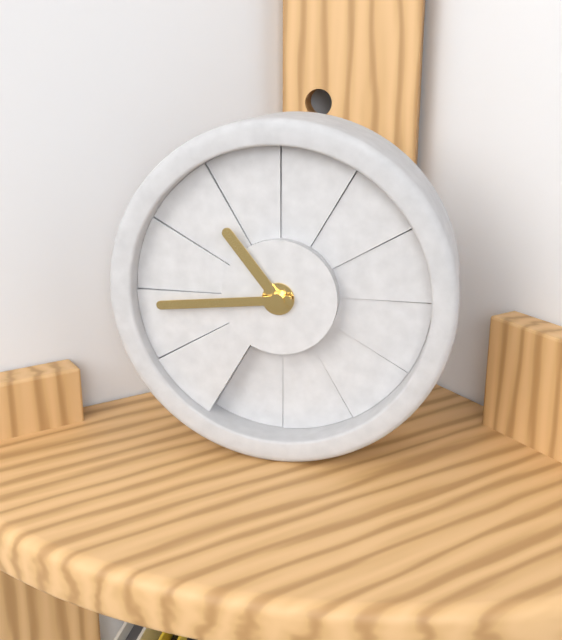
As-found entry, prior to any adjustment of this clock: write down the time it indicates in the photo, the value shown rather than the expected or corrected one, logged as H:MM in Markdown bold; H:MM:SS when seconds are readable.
**10:44**
